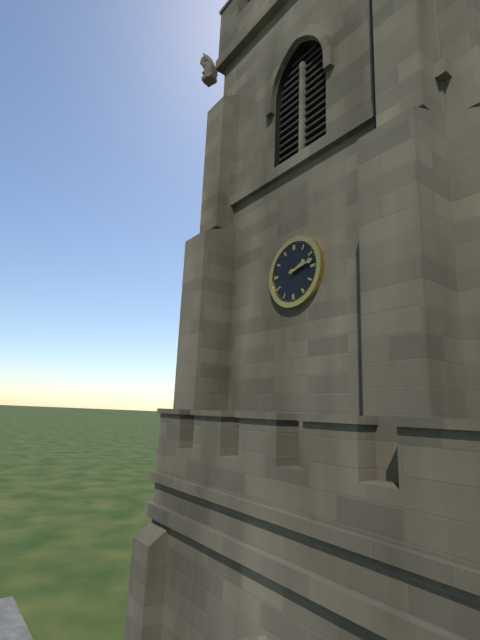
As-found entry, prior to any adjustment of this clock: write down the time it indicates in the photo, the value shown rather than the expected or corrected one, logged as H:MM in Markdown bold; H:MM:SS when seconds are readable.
**2:13**
